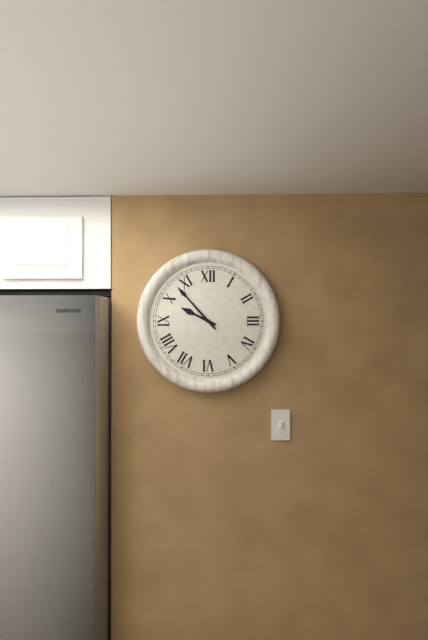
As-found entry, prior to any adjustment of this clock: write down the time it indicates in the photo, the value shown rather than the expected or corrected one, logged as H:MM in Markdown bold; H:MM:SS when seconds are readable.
**9:53**
